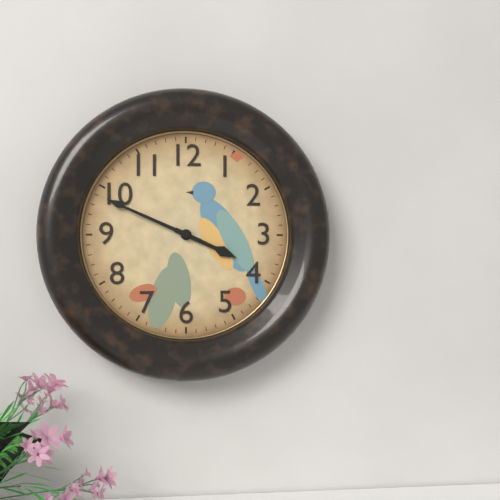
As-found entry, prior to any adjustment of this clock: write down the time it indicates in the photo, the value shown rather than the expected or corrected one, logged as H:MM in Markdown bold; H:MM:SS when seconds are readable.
**3:49**
